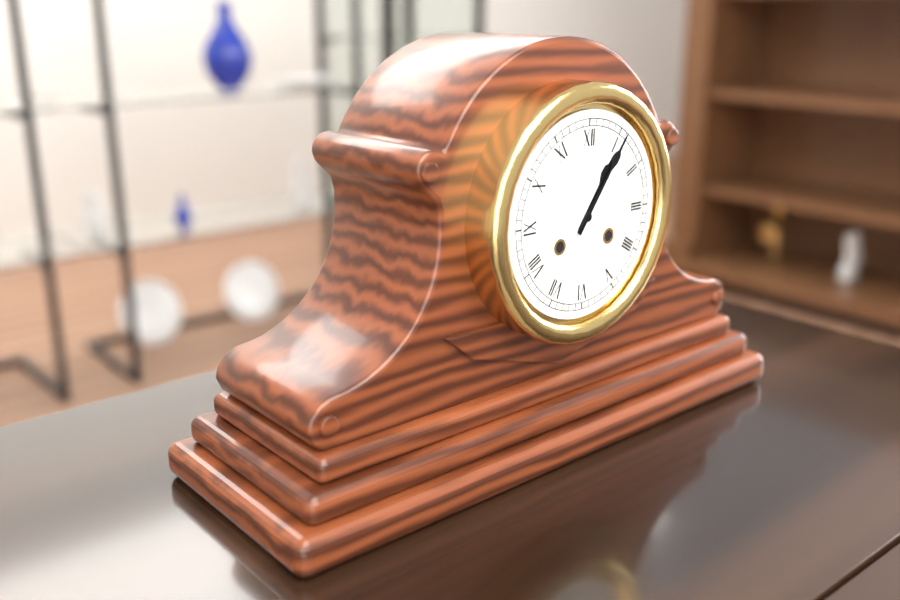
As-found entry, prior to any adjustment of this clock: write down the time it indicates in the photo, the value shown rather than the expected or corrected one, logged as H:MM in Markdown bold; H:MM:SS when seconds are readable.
**1:06**
